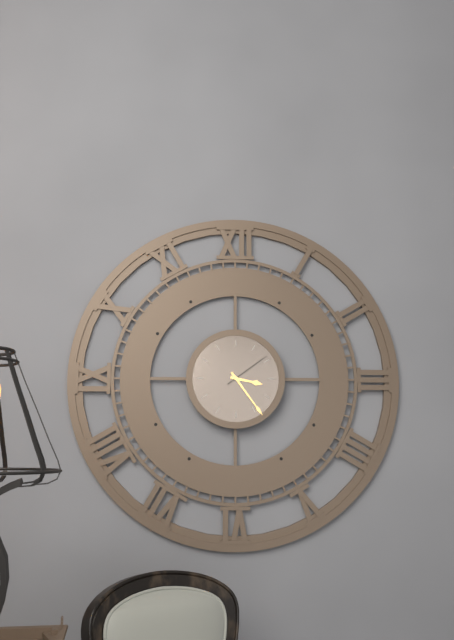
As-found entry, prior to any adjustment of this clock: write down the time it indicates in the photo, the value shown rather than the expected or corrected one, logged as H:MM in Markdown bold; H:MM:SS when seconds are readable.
**3:24**
